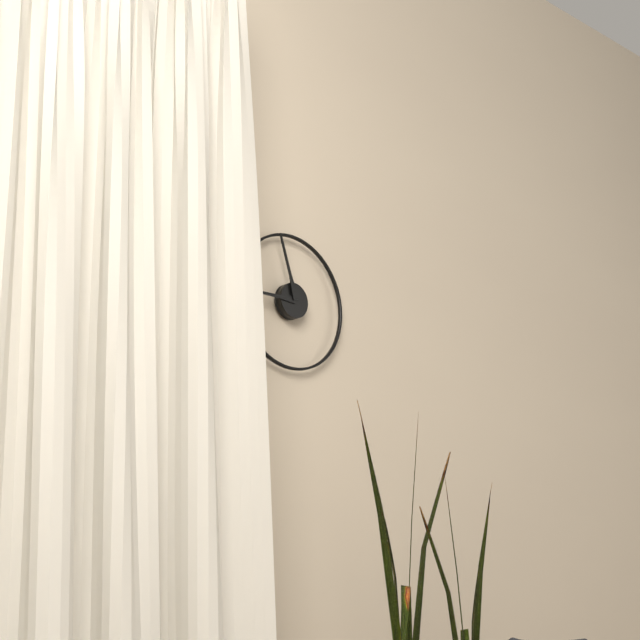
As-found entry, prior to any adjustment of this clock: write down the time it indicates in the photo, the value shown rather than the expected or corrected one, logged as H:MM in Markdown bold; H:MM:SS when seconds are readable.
**8:57**
